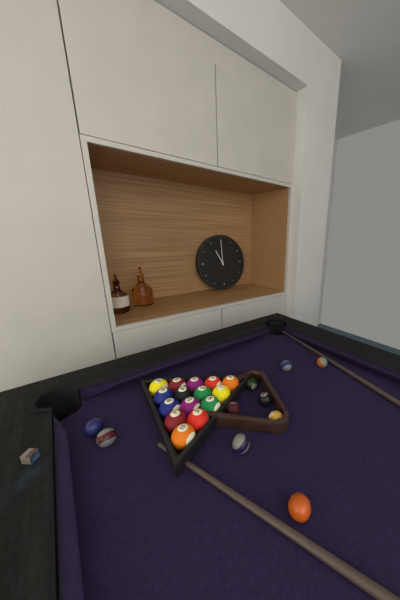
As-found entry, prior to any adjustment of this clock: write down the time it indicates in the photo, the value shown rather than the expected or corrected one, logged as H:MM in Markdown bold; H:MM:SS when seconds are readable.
**11:00**
